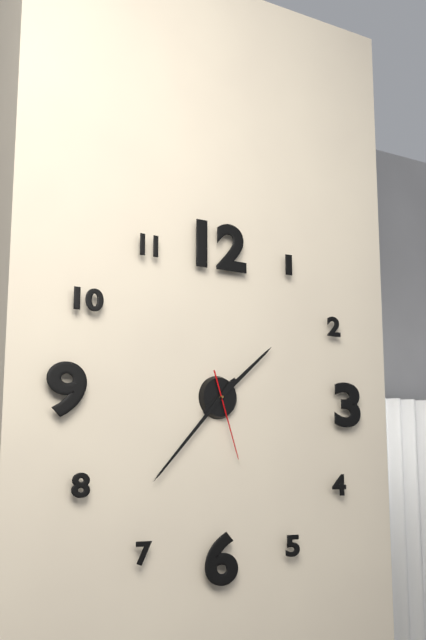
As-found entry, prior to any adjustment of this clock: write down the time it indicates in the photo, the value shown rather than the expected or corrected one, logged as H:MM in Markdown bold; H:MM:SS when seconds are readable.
**1:37:27**
